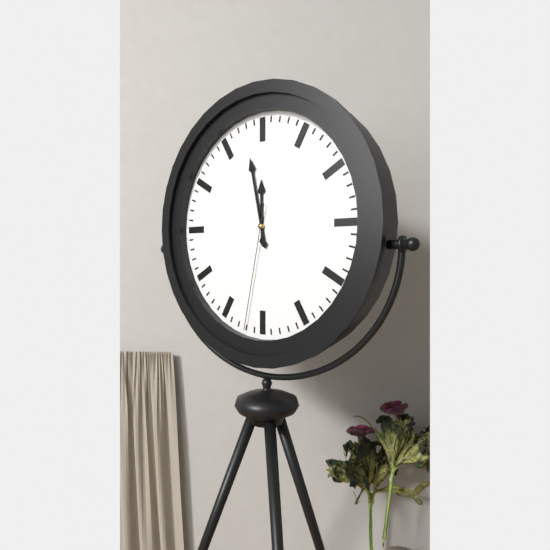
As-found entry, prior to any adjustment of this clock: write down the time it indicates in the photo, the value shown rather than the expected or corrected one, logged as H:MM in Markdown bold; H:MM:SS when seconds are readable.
**11:58:32**
